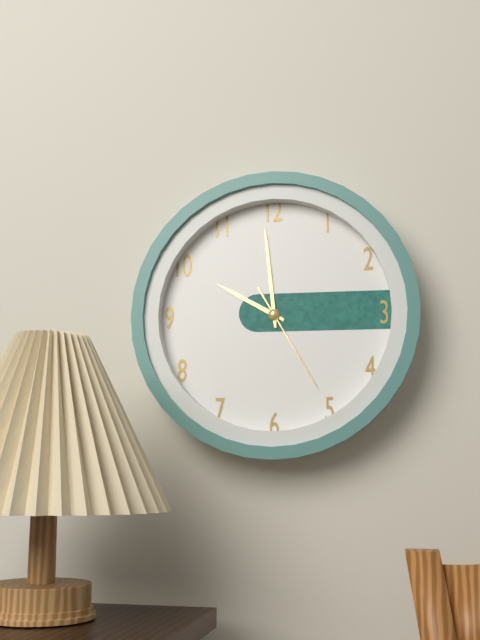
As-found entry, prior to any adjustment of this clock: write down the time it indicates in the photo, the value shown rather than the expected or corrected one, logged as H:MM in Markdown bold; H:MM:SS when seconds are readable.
**9:59:25**
